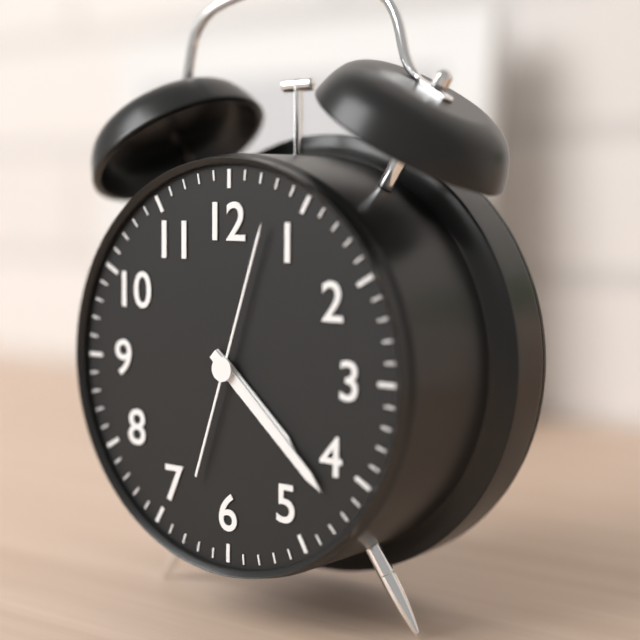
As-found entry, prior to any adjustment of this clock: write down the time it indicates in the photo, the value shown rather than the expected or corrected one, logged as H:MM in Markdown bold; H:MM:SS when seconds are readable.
**4:22:03**
